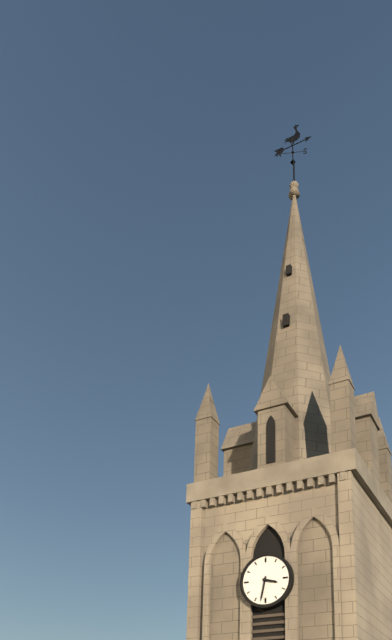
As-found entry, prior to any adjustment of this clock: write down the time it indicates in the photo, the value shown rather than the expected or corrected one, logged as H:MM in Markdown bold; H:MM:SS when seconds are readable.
**3:32**
